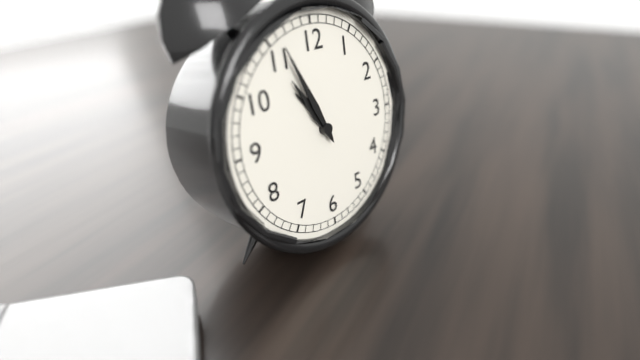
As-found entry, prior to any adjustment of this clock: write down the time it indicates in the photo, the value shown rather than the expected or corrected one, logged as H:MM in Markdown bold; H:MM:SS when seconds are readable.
**10:56**
